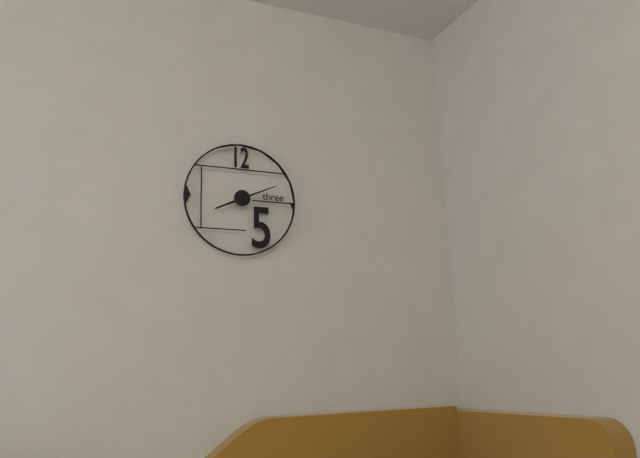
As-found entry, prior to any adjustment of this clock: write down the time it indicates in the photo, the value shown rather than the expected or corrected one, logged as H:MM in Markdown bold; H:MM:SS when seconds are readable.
**8:11**
